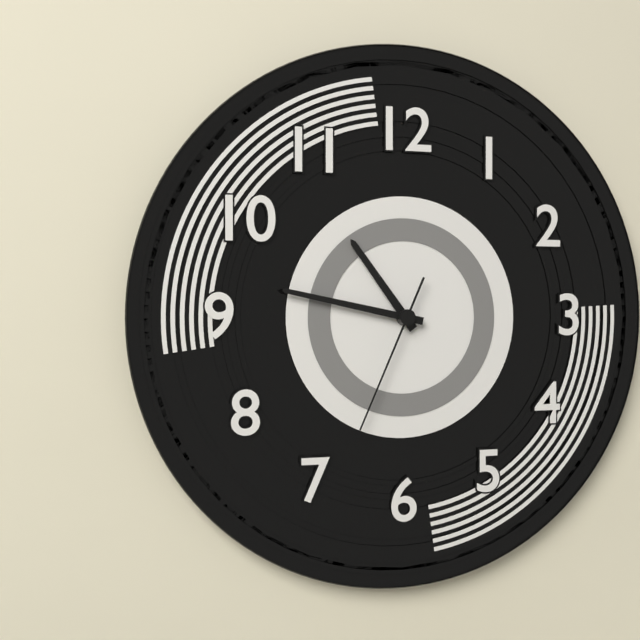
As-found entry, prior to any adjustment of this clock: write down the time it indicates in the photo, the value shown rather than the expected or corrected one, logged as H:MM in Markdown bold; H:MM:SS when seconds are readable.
**10:47:34**
